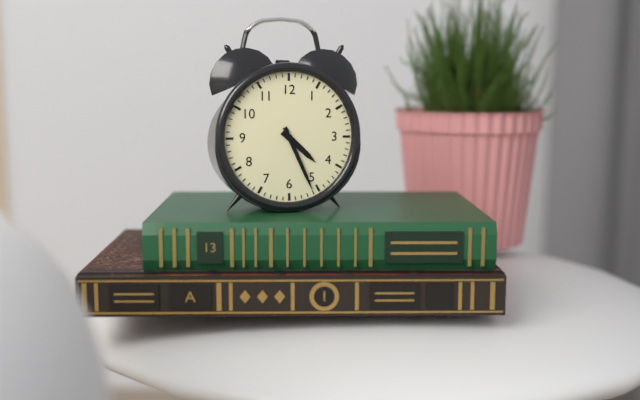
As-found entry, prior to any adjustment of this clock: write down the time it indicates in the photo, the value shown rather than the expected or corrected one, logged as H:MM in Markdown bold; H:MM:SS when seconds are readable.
**4:26**
